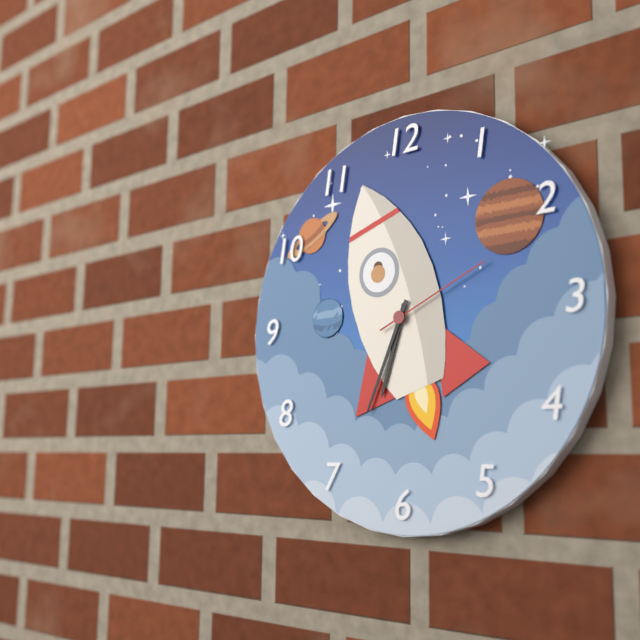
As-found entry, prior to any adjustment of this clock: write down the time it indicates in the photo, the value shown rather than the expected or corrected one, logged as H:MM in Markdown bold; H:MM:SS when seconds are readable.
**6:34:11**
